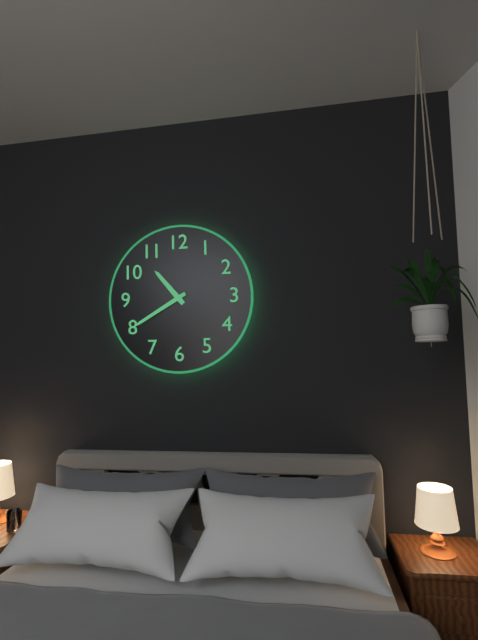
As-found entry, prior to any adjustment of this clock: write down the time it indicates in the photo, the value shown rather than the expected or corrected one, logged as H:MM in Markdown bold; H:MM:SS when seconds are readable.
**10:40**
